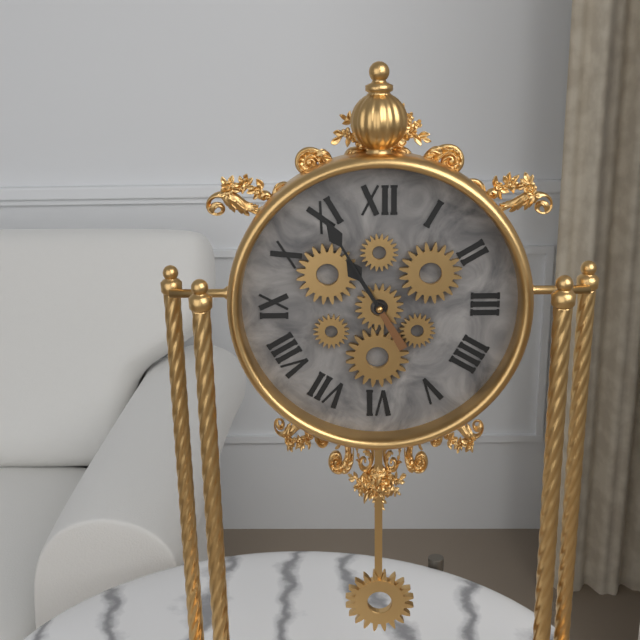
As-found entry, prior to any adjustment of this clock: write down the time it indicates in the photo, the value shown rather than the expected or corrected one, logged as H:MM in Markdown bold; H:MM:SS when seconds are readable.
**10:55**
